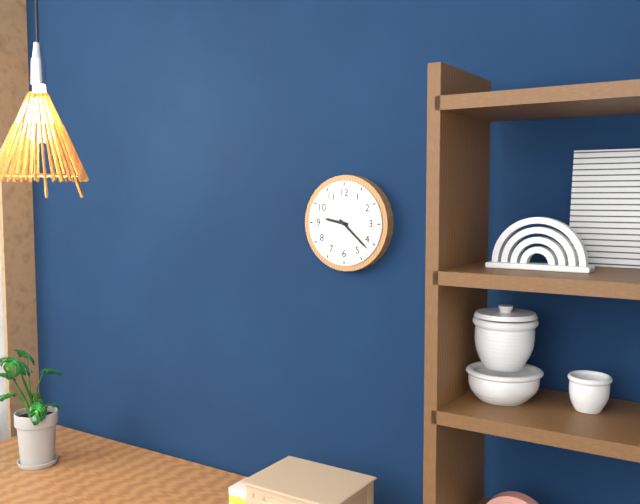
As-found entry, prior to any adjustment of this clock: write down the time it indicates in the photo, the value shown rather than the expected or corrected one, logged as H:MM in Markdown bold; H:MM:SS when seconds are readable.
**9:22**
